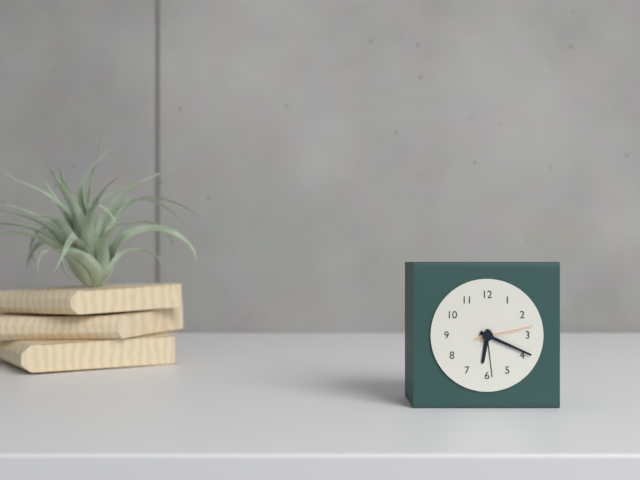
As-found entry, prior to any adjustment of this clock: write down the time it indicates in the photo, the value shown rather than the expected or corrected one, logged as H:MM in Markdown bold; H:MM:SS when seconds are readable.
**6:19:13**
